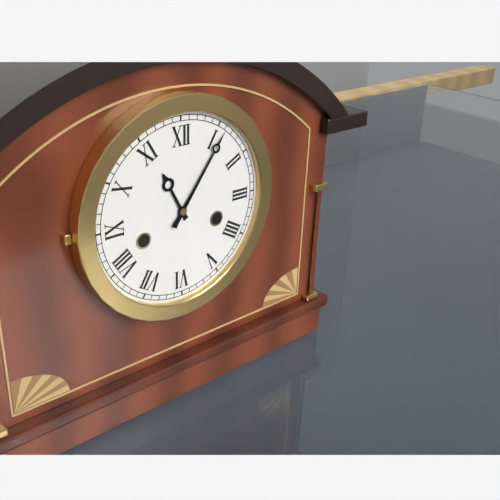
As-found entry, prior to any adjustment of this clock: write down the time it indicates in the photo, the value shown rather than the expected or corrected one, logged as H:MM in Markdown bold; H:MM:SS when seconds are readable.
**11:06**
